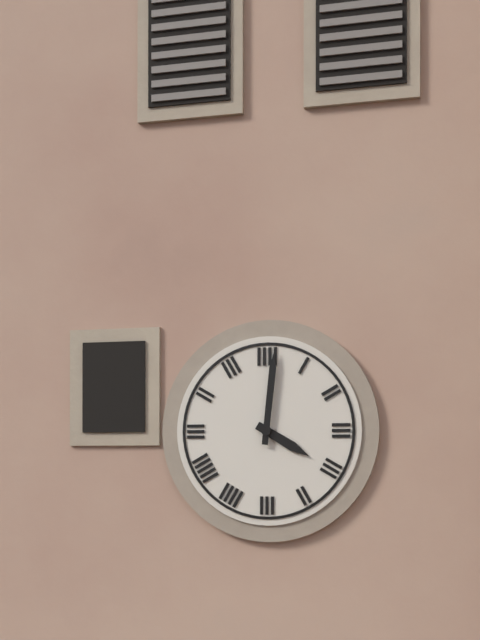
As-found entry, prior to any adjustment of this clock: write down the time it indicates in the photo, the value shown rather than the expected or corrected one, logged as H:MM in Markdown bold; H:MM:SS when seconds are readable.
**4:01**
